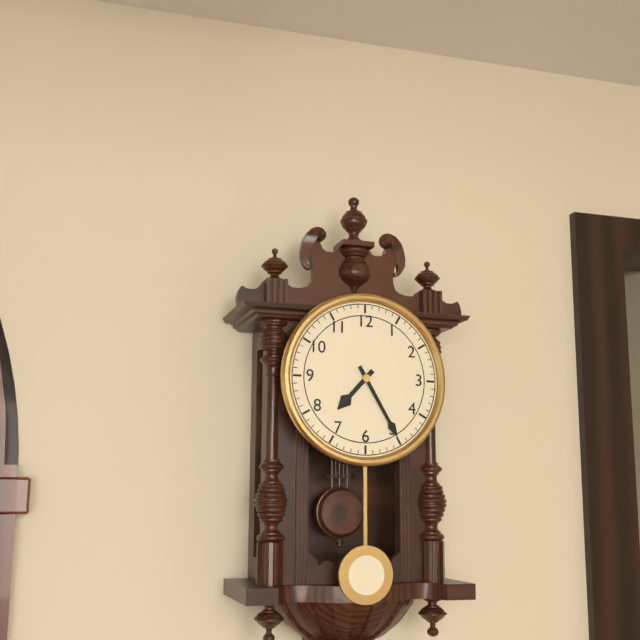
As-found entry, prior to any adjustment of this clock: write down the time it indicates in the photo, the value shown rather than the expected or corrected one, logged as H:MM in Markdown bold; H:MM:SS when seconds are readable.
**7:25**
